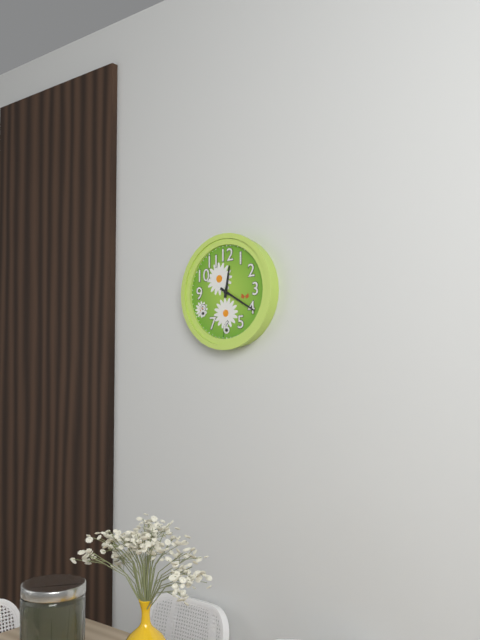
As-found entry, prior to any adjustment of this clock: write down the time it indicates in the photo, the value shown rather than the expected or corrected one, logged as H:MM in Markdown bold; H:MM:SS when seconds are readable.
**12:20**
